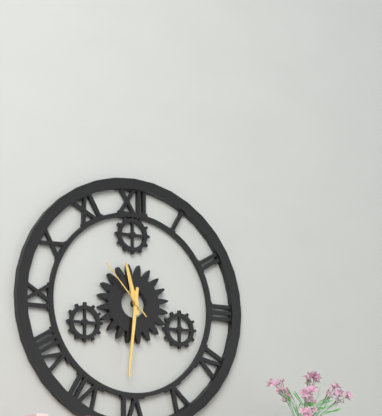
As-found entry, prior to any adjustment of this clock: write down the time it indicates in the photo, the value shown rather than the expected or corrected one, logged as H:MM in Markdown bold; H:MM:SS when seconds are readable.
**11:31:53**
